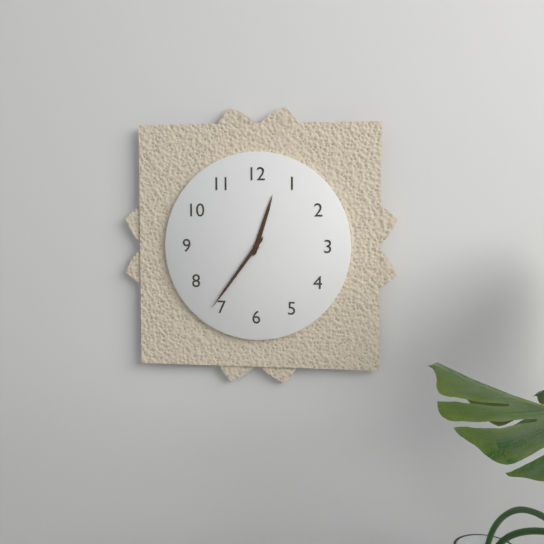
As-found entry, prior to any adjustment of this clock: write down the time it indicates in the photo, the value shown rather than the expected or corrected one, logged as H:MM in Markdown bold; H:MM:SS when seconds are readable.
**12:36**
